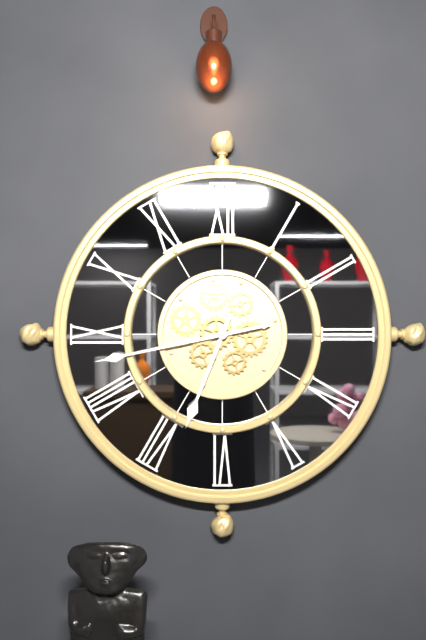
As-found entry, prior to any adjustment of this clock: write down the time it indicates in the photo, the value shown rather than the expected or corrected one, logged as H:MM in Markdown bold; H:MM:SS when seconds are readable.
**6:43**
